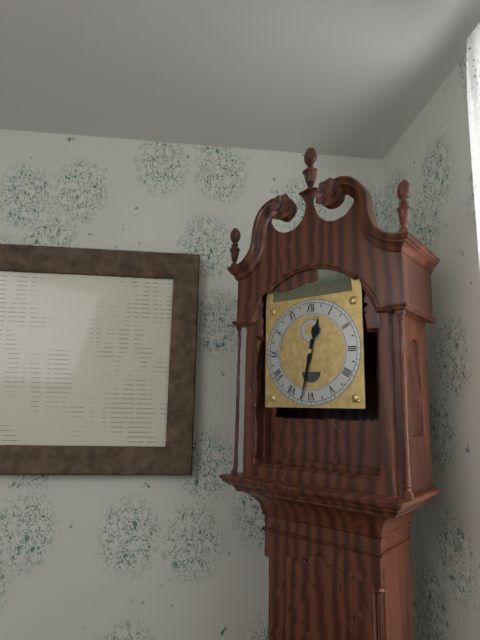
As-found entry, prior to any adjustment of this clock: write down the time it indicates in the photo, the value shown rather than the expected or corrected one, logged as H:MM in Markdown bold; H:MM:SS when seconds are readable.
**12:32**
